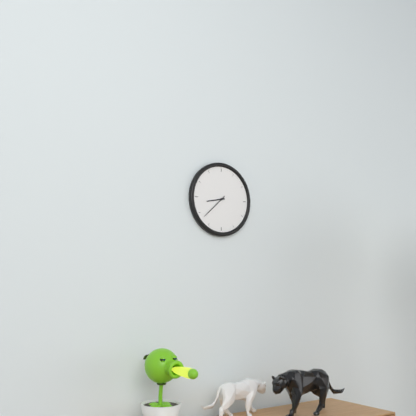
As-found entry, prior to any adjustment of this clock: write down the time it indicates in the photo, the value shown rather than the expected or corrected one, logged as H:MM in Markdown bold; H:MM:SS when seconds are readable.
**8:38**
